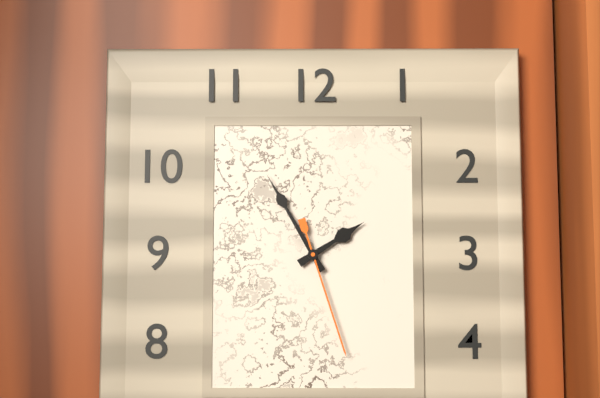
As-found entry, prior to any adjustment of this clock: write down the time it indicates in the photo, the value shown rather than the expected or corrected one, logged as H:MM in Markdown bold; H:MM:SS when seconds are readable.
**1:55:27**
